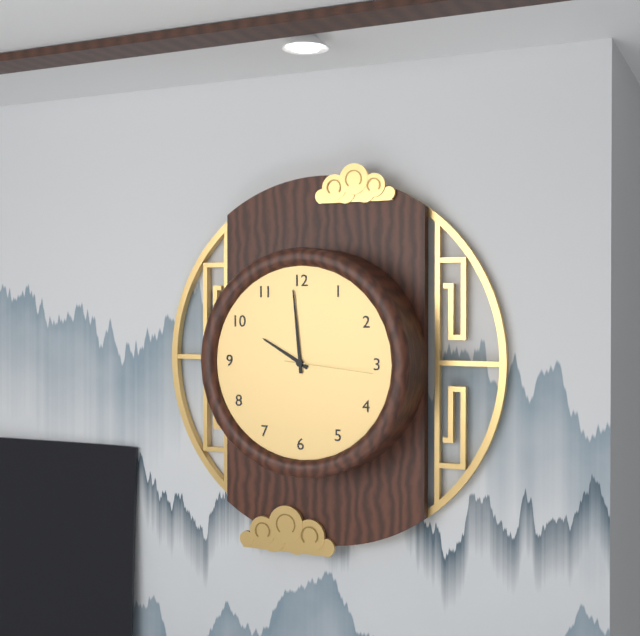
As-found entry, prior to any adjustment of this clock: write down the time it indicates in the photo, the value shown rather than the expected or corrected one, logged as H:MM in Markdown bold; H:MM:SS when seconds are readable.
**9:59:16**
